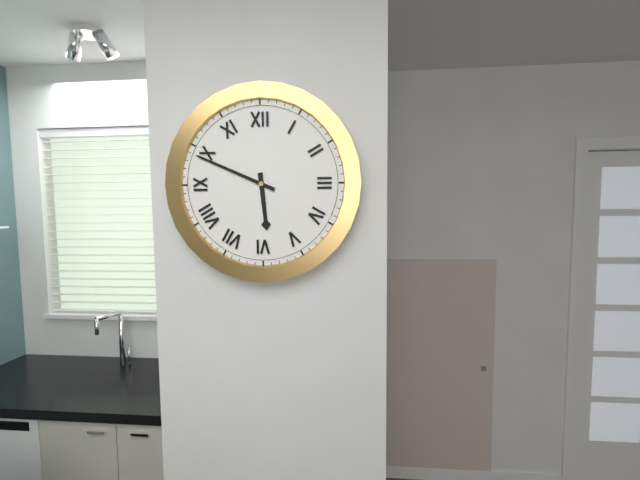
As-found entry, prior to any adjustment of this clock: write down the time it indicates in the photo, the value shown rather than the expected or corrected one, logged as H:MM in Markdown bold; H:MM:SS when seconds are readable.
**5:49**
